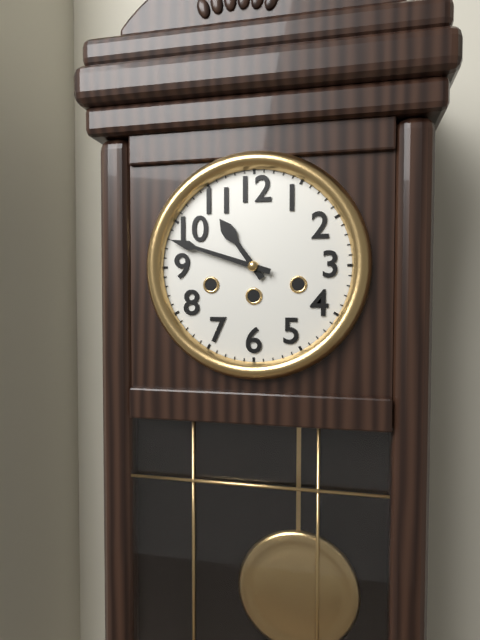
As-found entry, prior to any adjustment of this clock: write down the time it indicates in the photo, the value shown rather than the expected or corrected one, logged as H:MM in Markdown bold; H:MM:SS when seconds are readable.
**10:48**
